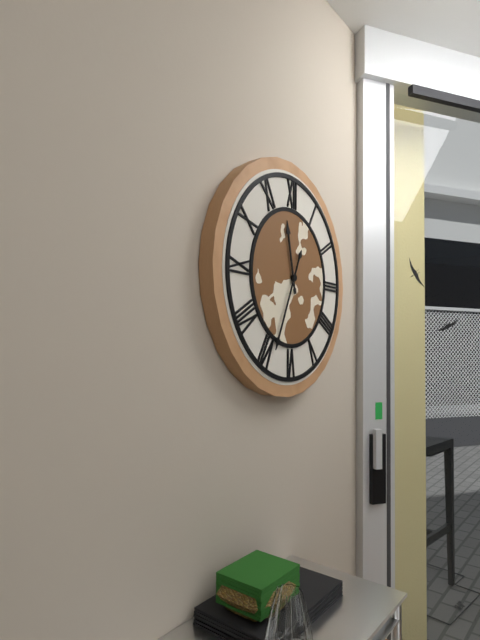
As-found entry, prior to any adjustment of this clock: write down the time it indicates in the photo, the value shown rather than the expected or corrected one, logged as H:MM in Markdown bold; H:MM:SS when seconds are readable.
**11:34**
